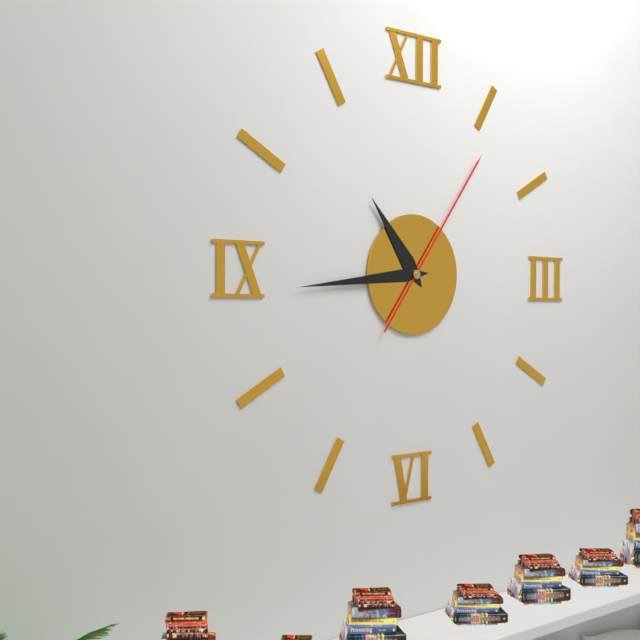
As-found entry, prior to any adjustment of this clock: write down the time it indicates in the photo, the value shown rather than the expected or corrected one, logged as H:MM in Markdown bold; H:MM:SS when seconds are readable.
**10:44:06**
